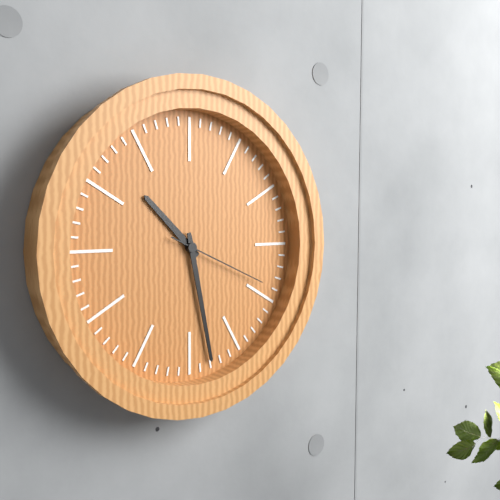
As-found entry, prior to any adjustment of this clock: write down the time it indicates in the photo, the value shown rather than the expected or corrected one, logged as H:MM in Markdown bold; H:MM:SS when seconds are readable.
**10:28:19**
